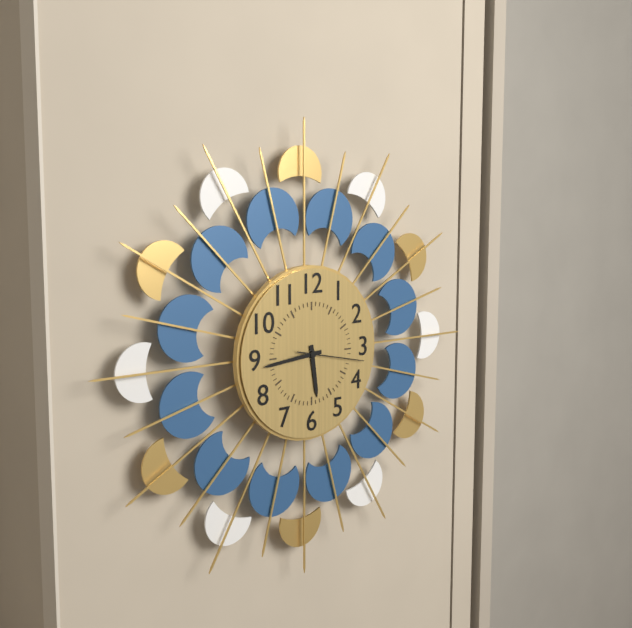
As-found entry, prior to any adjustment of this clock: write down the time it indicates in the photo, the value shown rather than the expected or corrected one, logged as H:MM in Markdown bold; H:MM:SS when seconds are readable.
**5:44:17**
